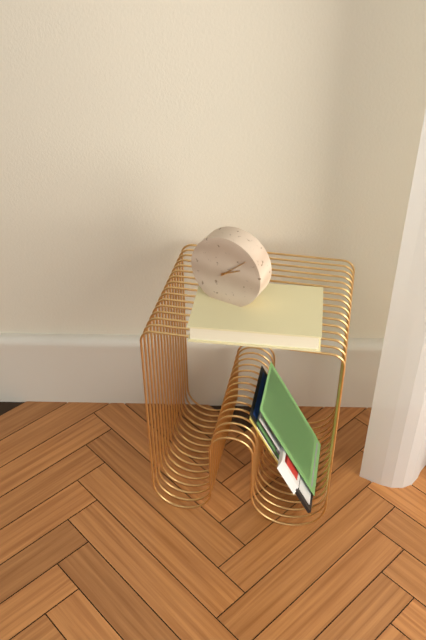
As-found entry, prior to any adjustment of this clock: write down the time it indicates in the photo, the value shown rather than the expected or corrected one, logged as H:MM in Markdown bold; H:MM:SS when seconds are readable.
**2:08**
